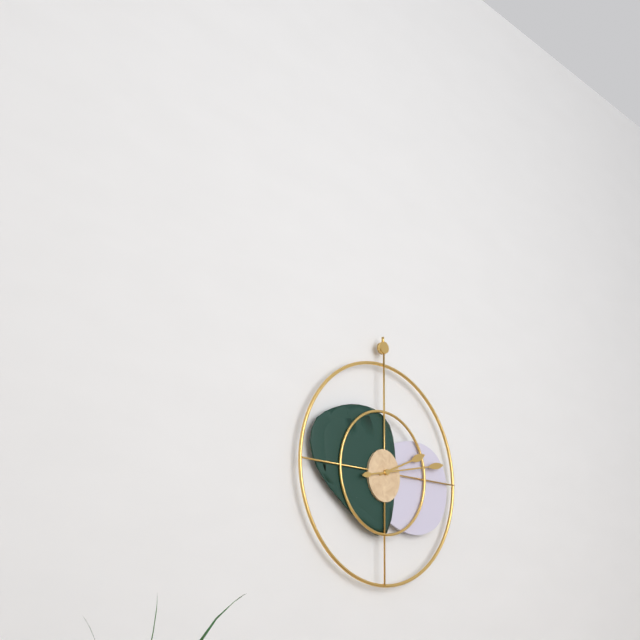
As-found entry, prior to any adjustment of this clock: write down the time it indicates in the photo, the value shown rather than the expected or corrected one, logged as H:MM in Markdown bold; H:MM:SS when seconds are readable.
**2:13**
